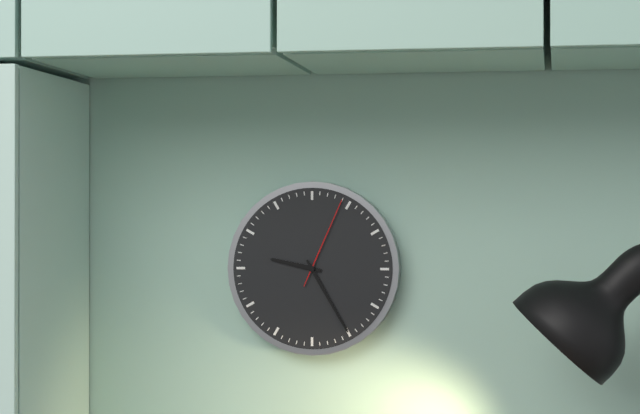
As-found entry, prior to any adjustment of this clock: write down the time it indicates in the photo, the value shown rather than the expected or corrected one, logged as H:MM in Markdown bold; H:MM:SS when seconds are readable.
**9:25:04**
